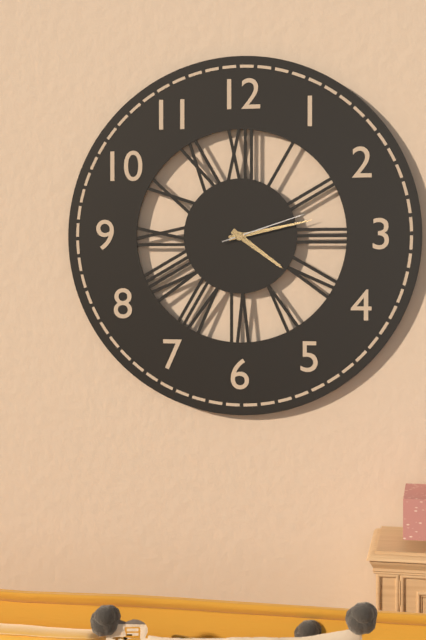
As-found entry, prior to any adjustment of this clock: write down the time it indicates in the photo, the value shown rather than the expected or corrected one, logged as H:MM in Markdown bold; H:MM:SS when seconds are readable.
**4:13:12**
